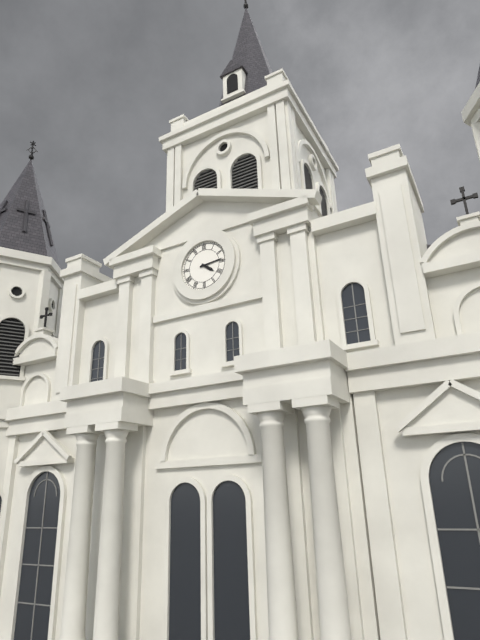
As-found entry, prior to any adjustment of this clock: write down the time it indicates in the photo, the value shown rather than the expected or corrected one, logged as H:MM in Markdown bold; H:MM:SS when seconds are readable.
**4:14**
